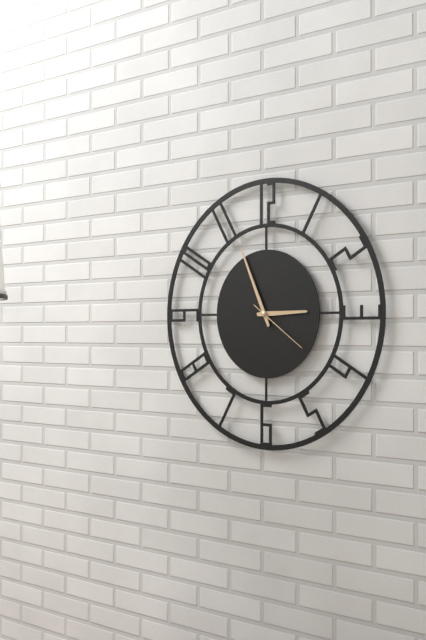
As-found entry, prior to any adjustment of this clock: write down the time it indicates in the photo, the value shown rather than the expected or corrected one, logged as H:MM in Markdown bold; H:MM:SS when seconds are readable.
**2:56:21**
